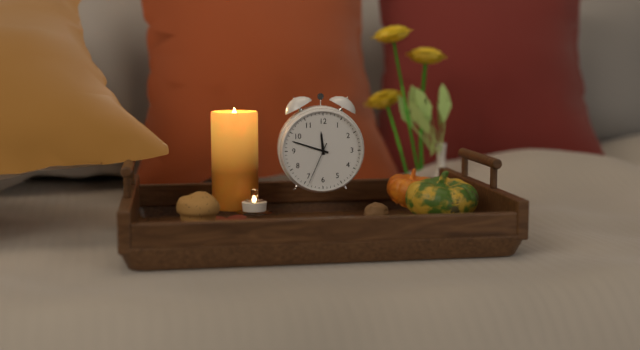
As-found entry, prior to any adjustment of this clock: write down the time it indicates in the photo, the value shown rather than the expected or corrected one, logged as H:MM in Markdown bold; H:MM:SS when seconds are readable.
**11:48**
